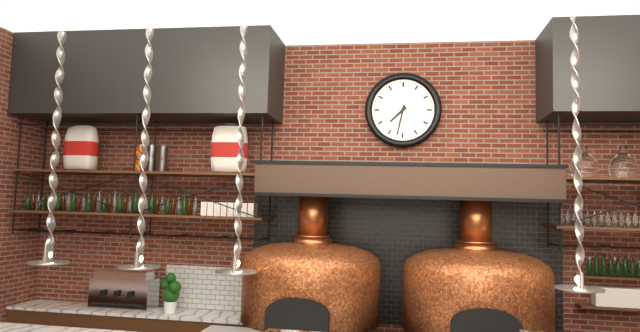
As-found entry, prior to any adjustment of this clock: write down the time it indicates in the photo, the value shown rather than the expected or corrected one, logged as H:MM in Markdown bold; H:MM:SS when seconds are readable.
**7:32**
